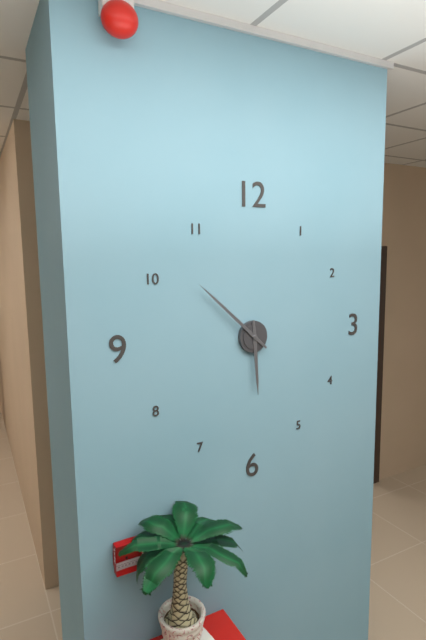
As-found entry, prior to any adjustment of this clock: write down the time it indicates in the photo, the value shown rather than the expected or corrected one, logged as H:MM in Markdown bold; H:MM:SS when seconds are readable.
**5:52**
